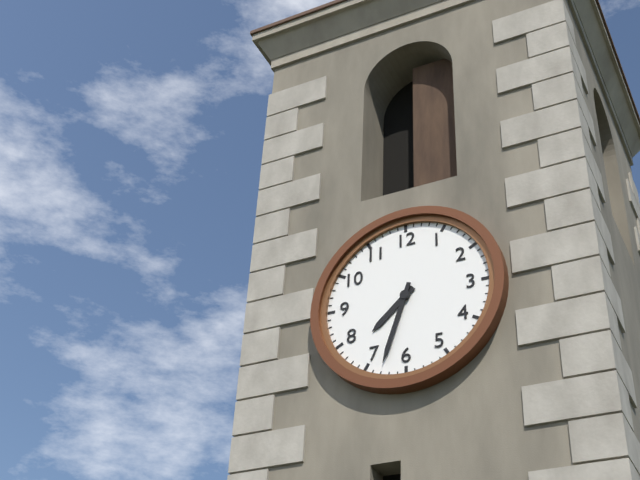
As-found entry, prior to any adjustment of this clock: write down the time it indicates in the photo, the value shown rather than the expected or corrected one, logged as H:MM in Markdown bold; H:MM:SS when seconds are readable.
**7:33**
